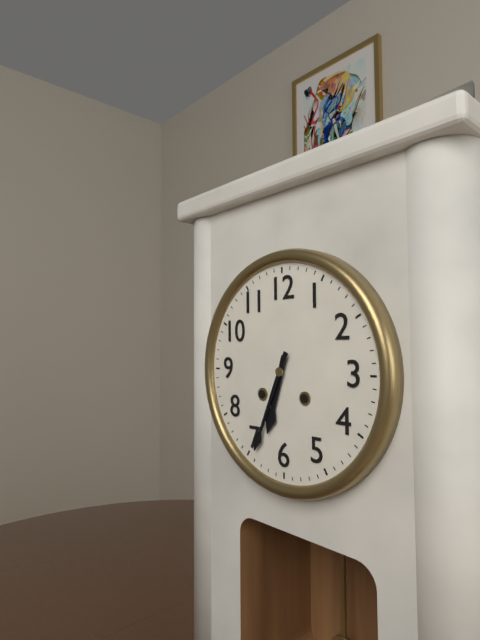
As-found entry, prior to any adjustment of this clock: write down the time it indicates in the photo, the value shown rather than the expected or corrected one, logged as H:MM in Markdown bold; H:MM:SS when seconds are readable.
**6:34**
